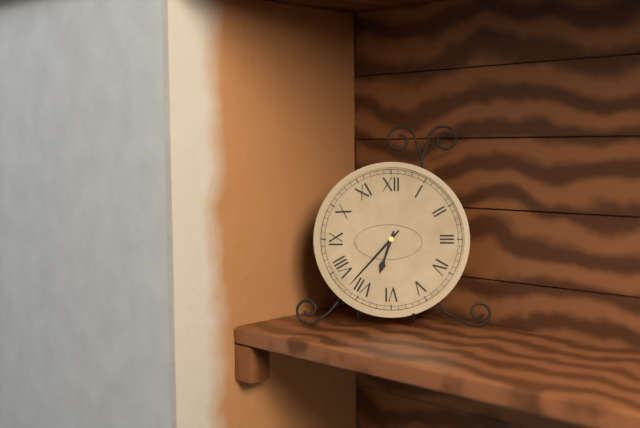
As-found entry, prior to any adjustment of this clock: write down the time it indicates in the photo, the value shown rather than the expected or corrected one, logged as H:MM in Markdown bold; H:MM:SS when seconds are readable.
**6:37**
